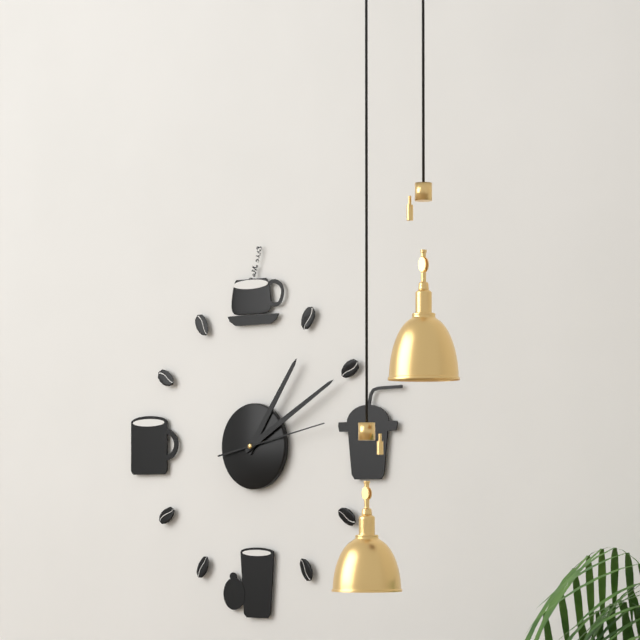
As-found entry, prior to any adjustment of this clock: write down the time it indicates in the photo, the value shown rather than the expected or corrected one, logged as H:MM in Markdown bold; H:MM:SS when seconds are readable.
**1:10:13**
